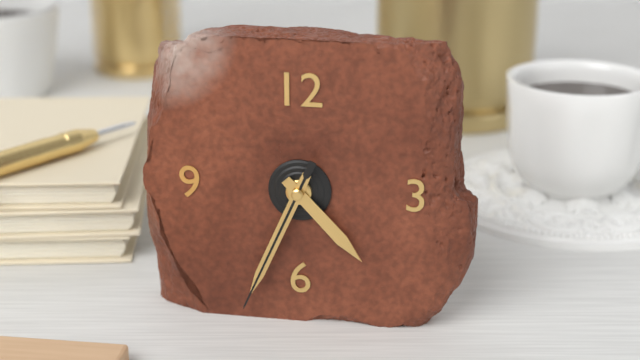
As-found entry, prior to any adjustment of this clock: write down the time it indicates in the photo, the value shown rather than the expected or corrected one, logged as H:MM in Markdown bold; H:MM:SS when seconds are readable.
**4:34:34**
